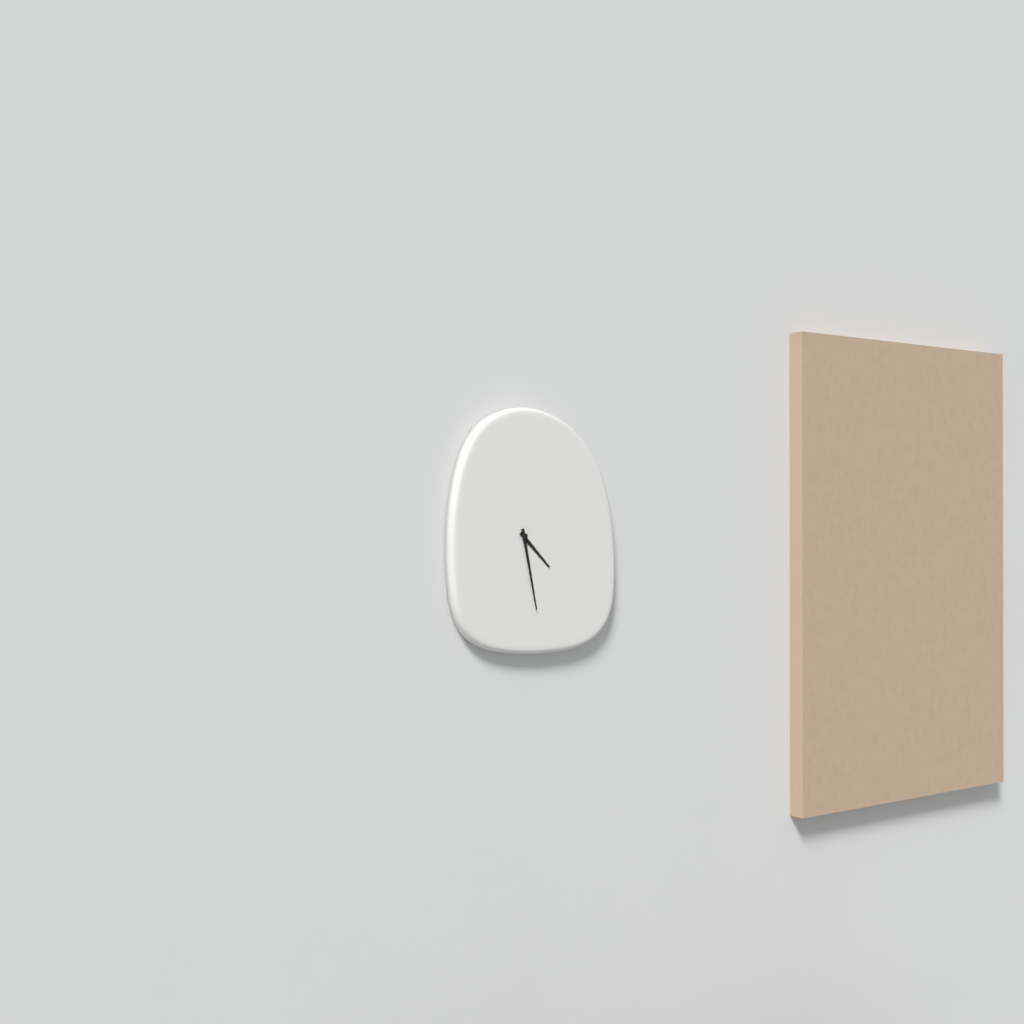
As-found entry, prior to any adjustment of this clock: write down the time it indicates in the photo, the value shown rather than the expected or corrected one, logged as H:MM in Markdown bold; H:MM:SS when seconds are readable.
**4:28**
